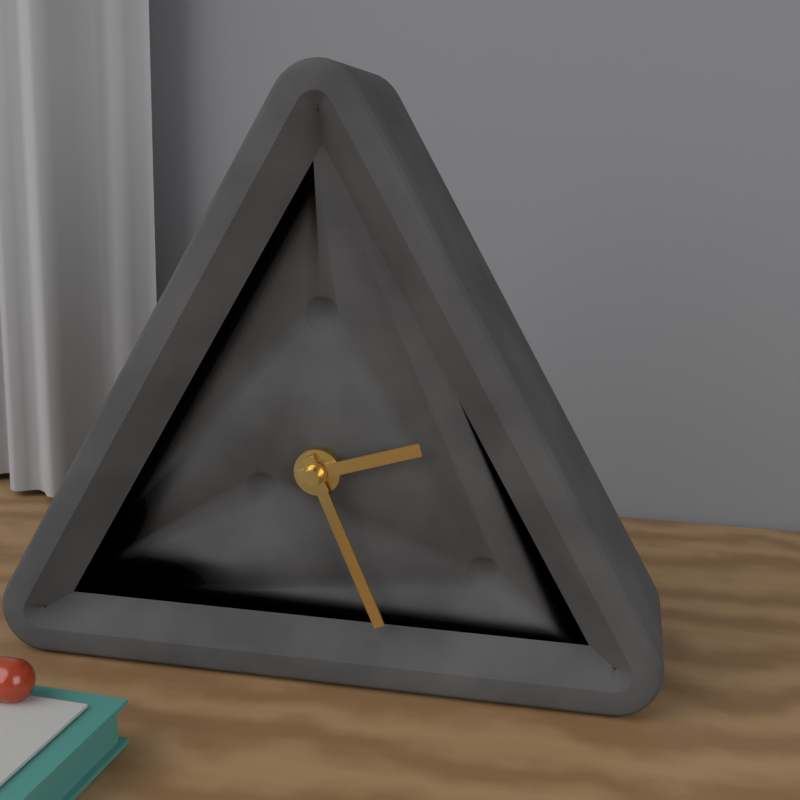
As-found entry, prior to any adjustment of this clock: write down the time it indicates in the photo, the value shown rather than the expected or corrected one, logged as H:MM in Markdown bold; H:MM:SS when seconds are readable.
**2:26**
